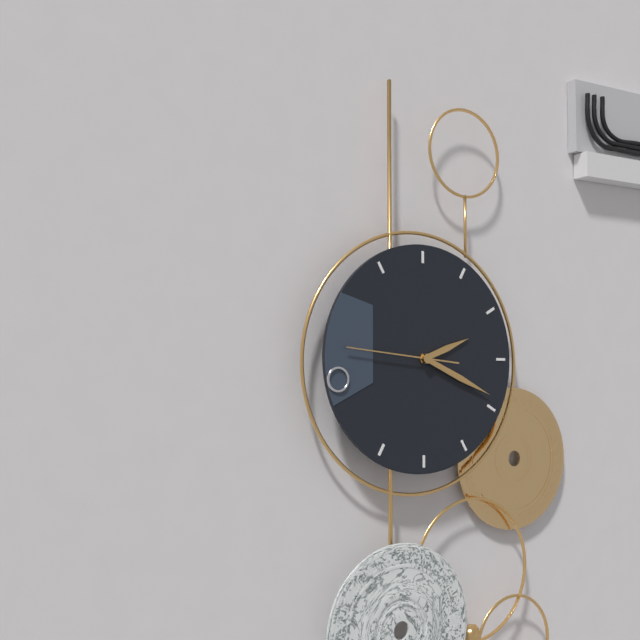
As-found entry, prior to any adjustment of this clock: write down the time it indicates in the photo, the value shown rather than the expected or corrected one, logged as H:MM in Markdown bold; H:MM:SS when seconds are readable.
**2:19:46**
